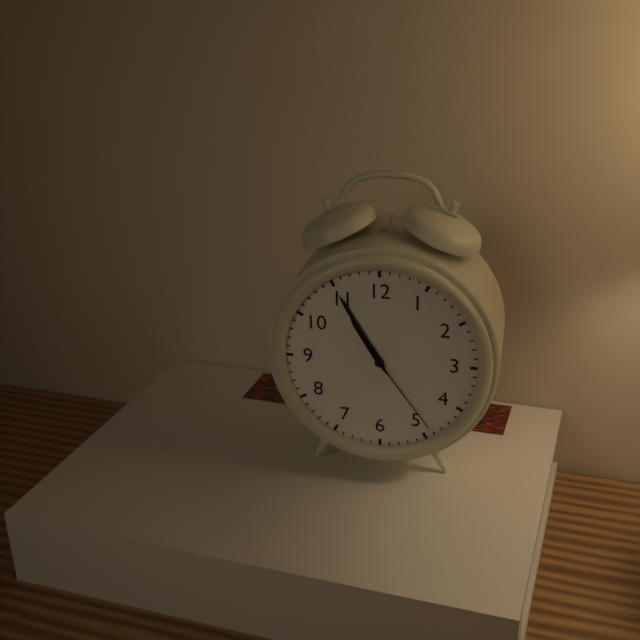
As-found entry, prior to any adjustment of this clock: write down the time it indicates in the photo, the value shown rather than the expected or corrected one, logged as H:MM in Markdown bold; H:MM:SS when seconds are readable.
**10:55:24**
